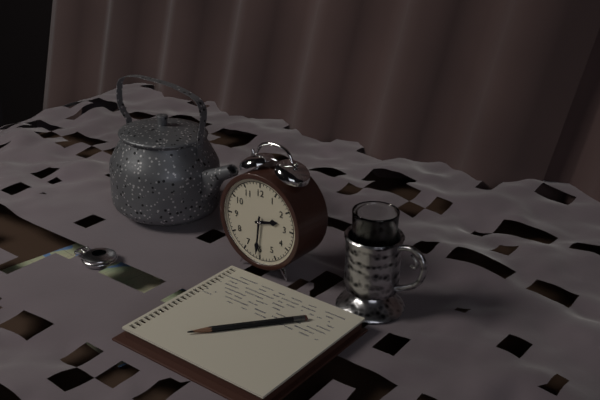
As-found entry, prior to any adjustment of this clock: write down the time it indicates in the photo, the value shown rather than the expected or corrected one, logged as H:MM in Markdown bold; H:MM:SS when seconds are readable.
**2:31**
